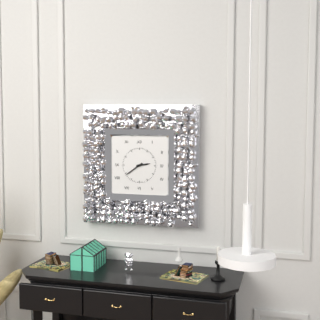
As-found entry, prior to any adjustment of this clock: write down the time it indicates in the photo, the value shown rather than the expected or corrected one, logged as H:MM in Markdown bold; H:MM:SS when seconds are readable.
**2:39**
